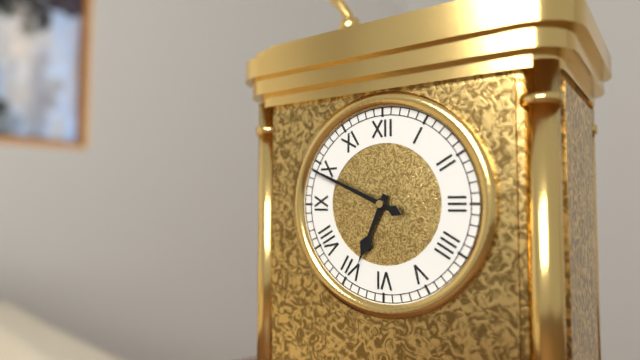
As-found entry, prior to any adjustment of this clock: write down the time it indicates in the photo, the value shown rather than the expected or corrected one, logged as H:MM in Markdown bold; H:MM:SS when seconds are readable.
**6:49**
